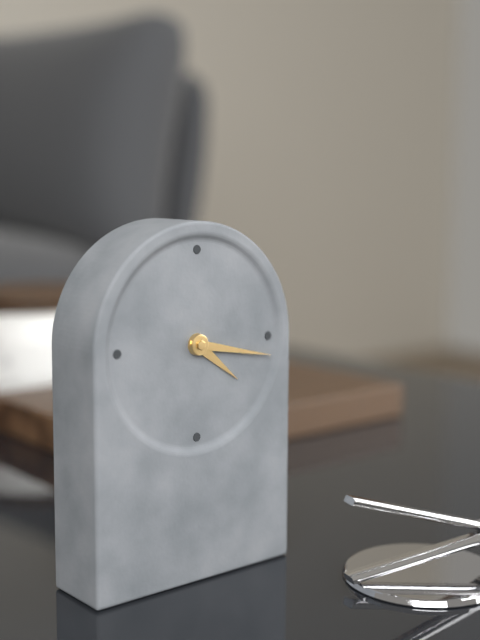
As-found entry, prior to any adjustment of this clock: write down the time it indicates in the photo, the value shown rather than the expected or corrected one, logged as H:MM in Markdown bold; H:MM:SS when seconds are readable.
**4:17**
